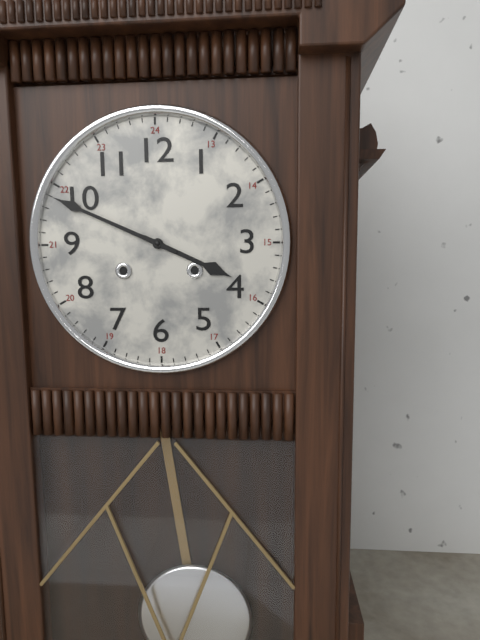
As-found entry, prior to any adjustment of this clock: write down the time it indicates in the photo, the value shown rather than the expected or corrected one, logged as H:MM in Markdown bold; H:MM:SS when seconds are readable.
**3:49**
